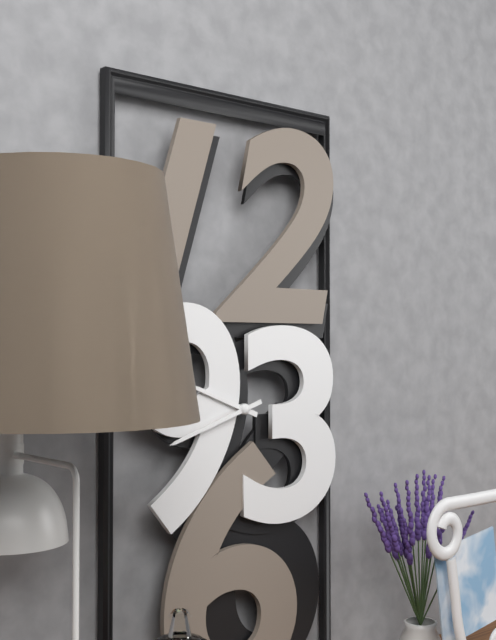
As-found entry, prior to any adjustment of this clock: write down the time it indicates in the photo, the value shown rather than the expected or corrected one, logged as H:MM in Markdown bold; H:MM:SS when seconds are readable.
**9:42**
